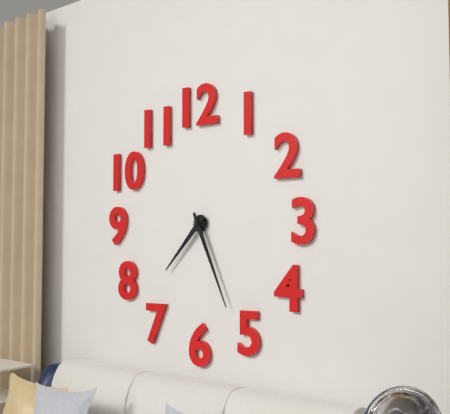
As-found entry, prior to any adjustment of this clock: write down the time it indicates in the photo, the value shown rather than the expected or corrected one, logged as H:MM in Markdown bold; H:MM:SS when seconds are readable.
**7:26**
